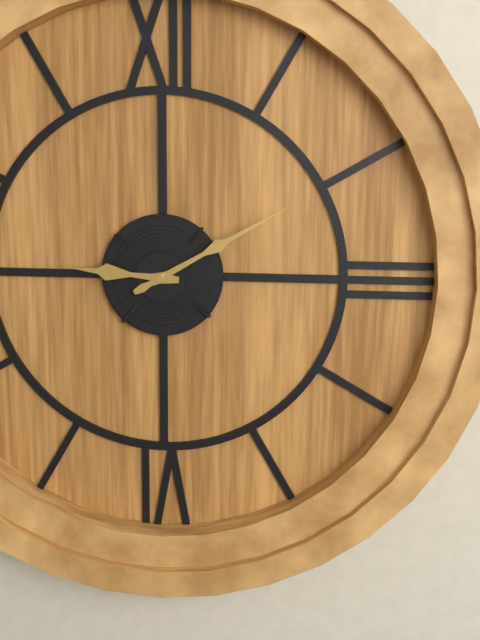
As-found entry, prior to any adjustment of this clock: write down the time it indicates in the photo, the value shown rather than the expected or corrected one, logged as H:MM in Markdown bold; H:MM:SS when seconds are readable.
**9:10**
